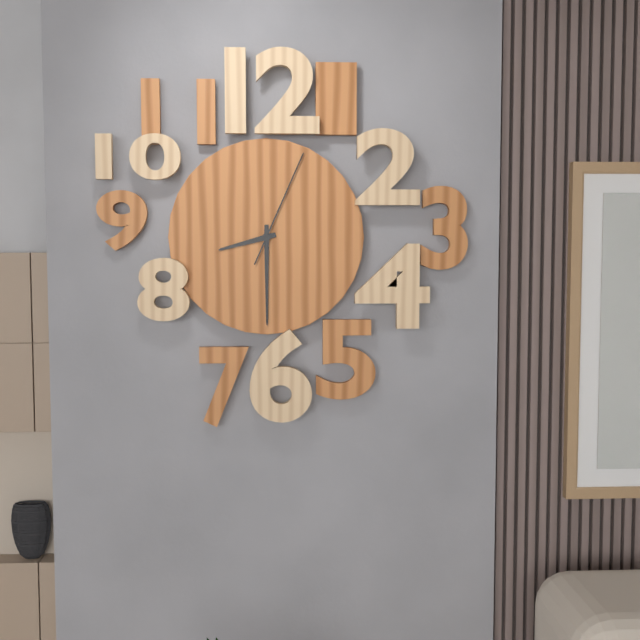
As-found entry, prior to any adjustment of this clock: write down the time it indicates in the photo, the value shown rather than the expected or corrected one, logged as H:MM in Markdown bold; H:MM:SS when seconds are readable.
**8:30:04**
